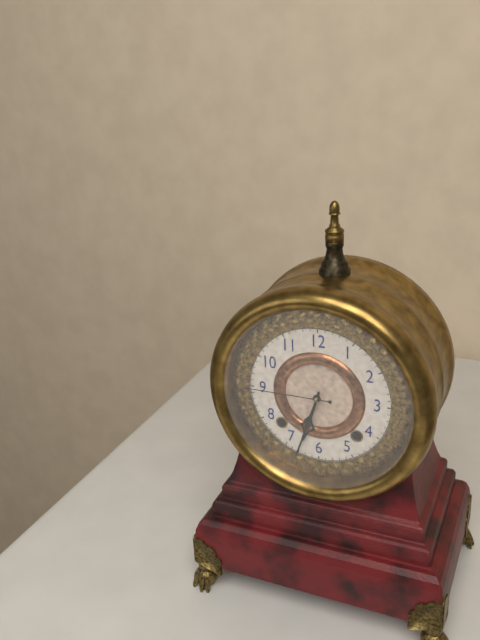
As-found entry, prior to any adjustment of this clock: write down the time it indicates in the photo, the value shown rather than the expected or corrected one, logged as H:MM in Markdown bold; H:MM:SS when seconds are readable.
**6:33:45**
